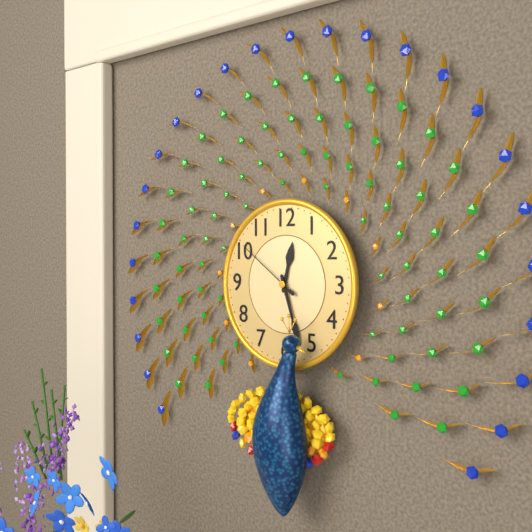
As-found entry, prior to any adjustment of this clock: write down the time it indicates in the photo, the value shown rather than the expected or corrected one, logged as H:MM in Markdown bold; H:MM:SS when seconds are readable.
**12:27:51**
